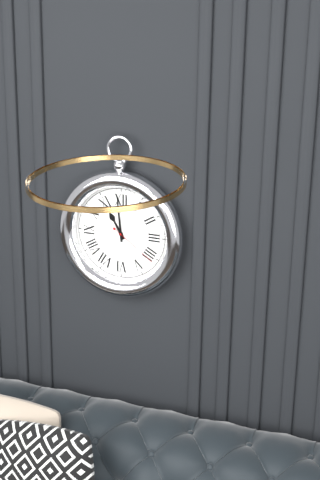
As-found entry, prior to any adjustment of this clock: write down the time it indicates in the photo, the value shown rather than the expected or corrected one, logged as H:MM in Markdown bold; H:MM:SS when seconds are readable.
**10:59:21**
